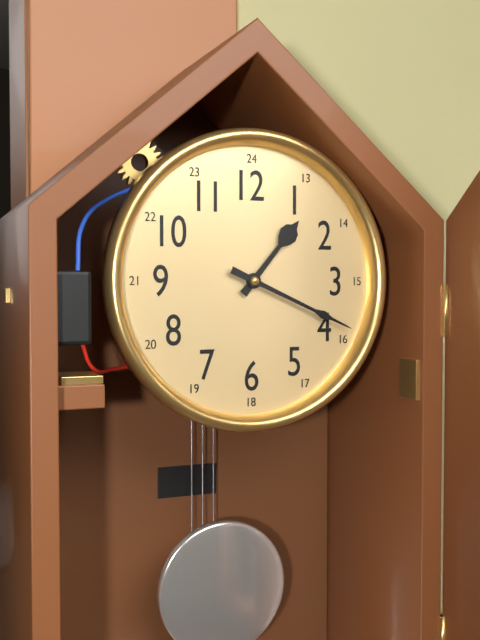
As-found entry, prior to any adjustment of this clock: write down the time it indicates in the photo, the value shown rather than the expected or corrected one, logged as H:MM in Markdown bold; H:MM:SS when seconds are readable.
**1:19**
